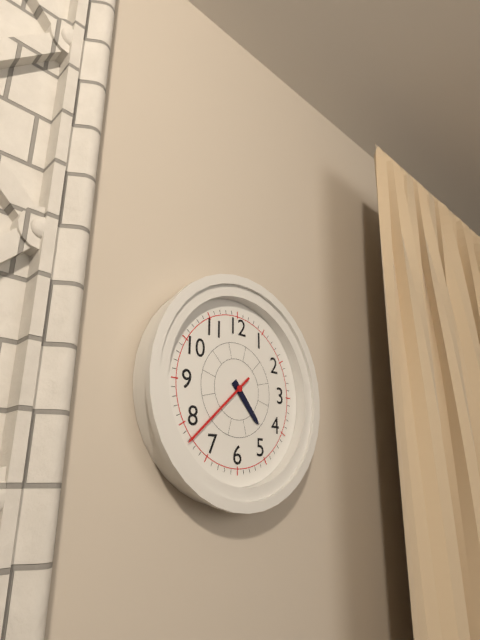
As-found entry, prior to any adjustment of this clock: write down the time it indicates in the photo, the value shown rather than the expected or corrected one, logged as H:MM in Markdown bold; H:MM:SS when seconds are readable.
**4:38**
